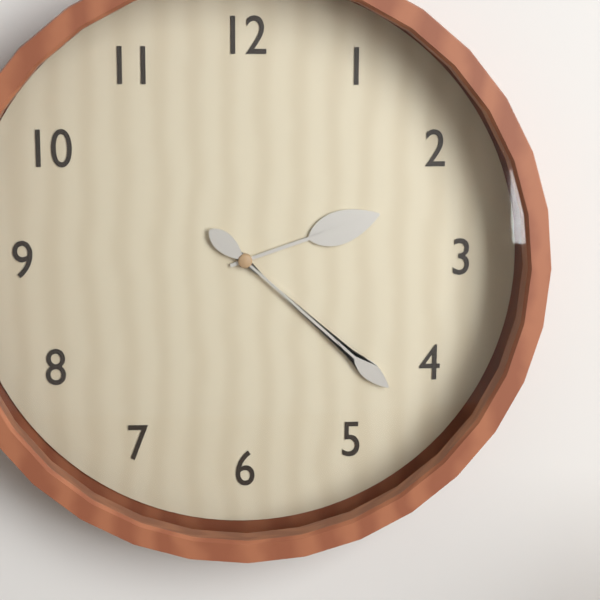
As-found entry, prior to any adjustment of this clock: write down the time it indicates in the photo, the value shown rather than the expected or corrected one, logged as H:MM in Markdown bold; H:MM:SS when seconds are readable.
**2:22**
